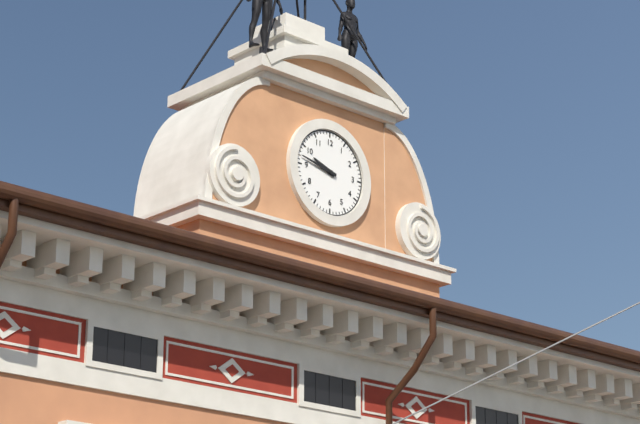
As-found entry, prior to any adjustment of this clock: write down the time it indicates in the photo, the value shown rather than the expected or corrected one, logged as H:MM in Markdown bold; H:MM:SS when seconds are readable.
**9:47**
